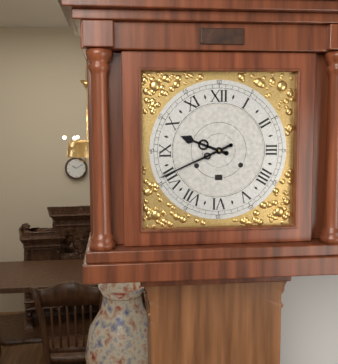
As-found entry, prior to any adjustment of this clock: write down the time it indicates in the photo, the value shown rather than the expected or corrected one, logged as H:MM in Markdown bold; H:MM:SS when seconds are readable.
**9:41**
